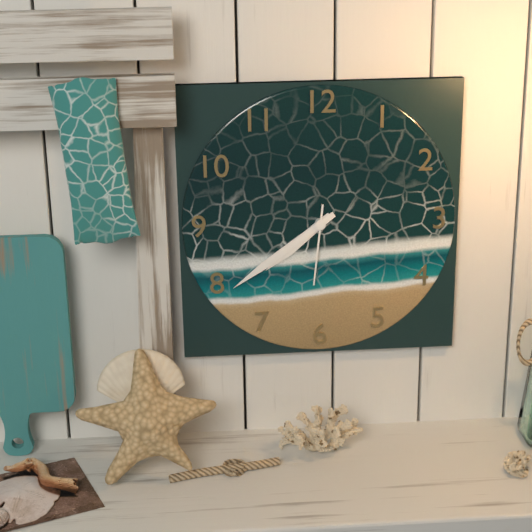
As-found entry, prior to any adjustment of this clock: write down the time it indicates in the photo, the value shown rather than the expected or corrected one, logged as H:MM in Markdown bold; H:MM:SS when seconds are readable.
**7:39:31**
